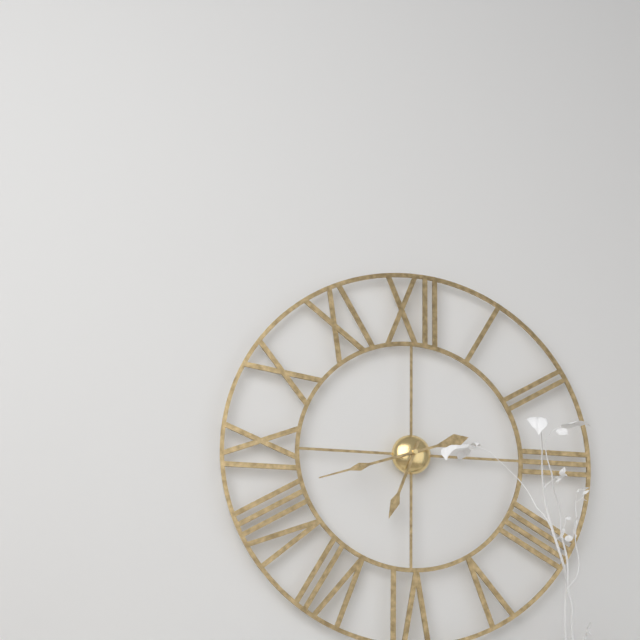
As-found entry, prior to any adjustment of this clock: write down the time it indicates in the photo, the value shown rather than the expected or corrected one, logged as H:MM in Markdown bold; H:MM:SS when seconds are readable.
**6:42**
